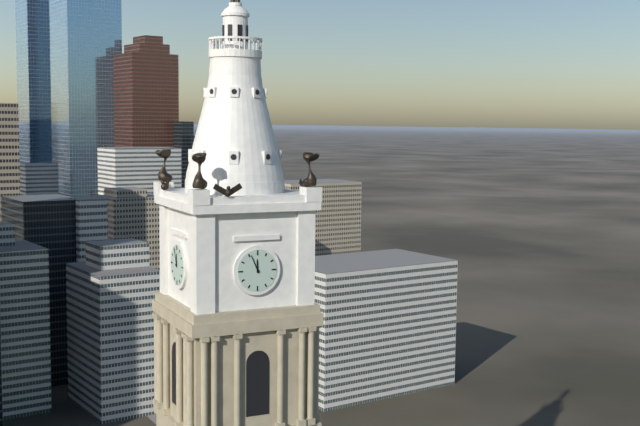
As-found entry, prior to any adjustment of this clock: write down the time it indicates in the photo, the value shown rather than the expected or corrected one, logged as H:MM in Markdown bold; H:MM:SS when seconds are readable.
**11:56**
